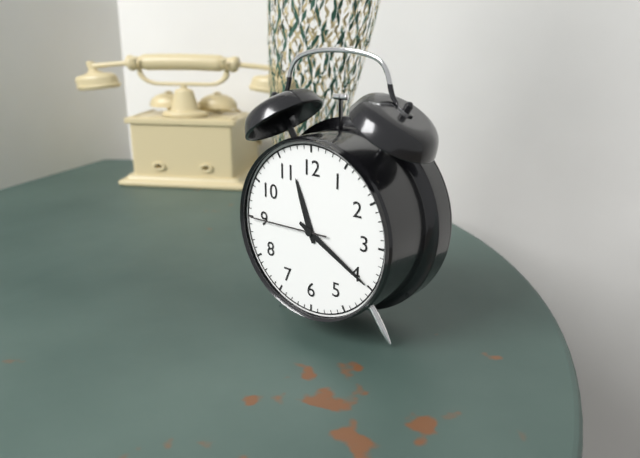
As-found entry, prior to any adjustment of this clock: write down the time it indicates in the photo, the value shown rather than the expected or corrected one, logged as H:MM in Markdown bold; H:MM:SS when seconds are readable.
**11:20:45**
